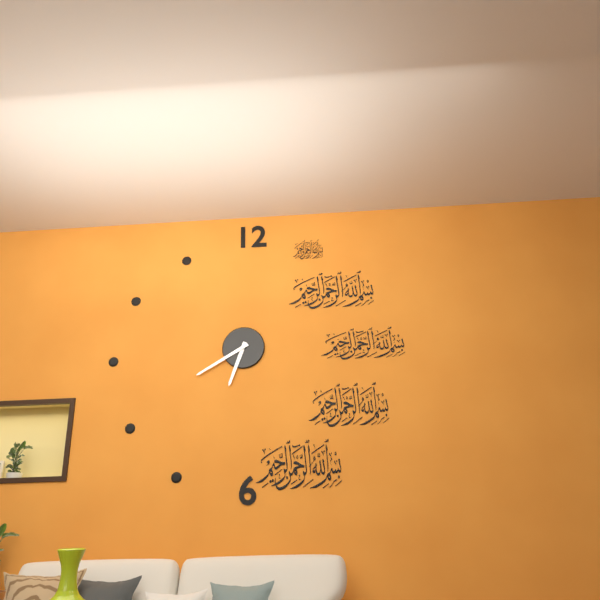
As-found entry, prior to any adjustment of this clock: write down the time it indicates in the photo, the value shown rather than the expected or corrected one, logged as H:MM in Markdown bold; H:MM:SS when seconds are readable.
**6:40**
